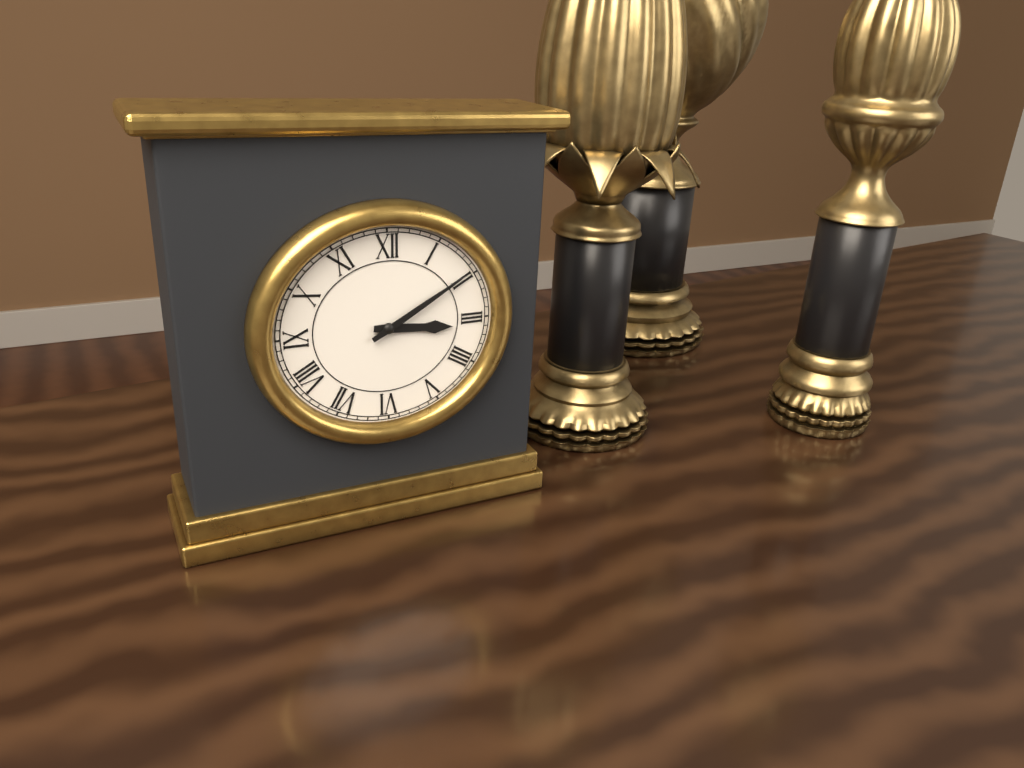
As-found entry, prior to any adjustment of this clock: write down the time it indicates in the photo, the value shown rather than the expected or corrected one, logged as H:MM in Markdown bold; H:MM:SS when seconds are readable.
**3:10**
